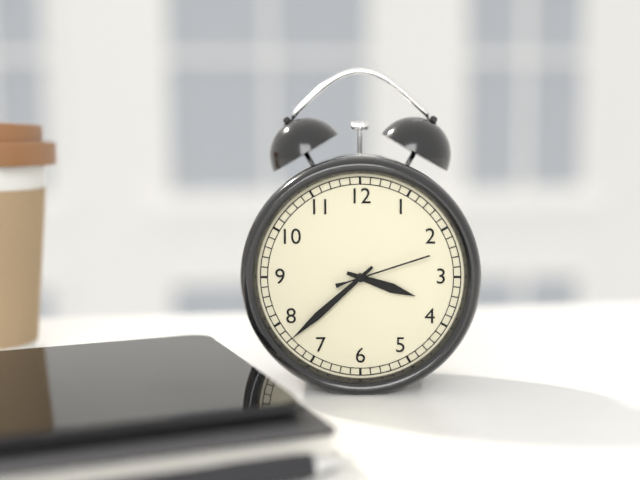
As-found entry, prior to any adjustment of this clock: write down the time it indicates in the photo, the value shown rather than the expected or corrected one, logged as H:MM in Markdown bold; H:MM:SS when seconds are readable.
**3:38:12**
